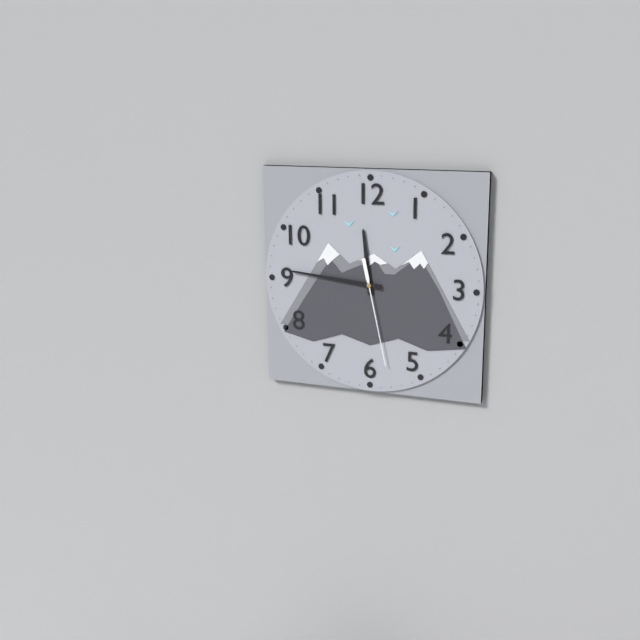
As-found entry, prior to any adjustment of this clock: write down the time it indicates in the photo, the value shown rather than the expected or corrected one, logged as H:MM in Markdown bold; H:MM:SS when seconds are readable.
**11:46:28**
